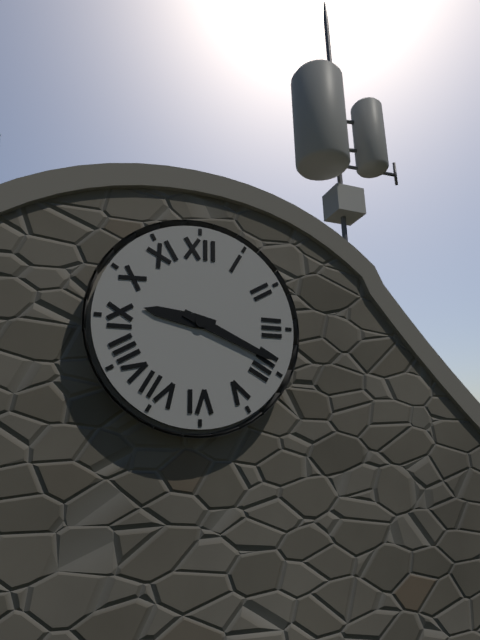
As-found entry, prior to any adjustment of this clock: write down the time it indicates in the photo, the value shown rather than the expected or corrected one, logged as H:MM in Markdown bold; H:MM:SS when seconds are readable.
**9:19**
